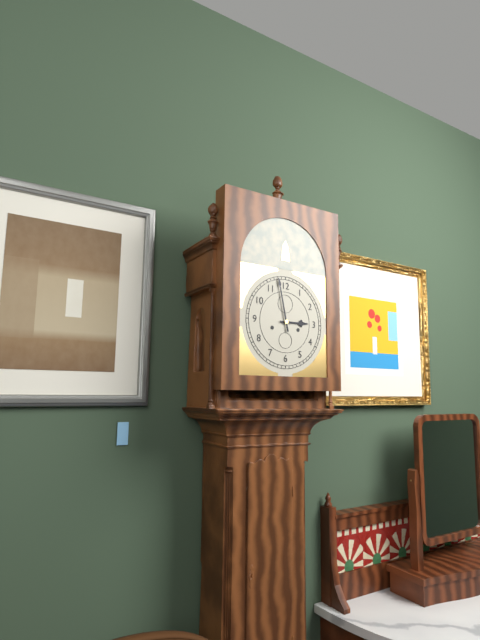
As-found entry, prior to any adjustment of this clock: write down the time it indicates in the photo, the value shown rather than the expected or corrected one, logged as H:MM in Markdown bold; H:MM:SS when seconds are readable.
**2:58**
